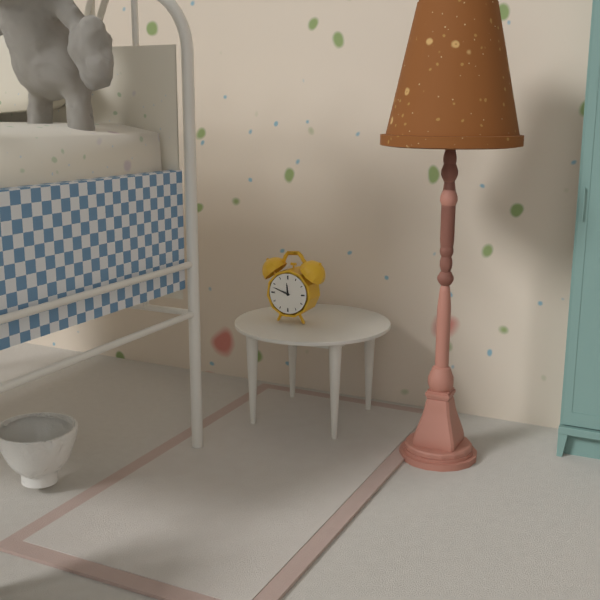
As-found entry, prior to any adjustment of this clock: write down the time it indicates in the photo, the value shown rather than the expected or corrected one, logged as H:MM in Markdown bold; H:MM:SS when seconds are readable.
**11:48**
